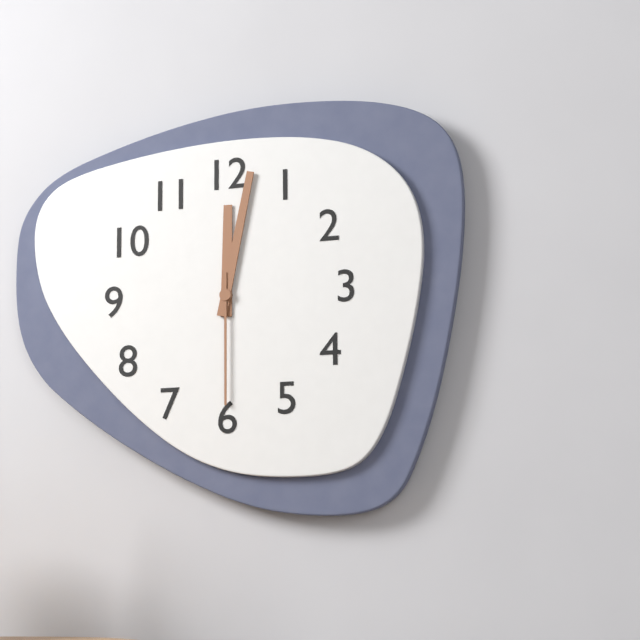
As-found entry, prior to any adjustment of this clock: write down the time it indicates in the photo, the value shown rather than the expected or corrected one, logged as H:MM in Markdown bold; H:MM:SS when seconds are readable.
**12:02:30**
